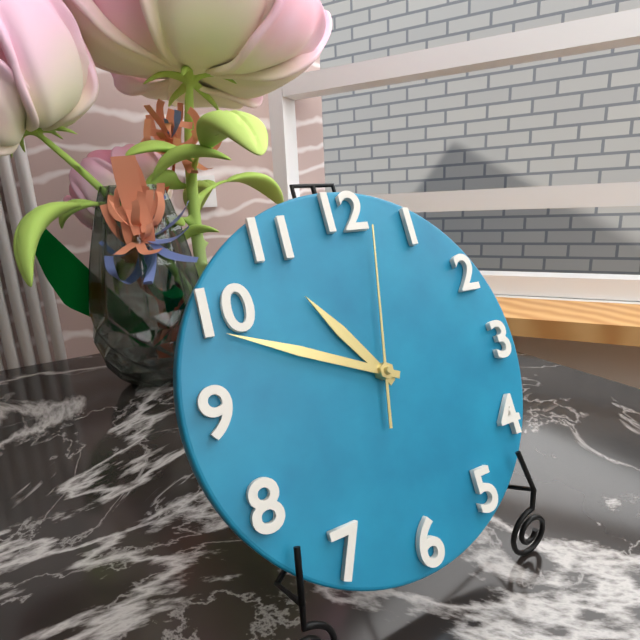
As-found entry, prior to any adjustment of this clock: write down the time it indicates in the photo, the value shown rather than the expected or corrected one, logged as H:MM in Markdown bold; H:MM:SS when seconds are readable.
**10:49:02**
